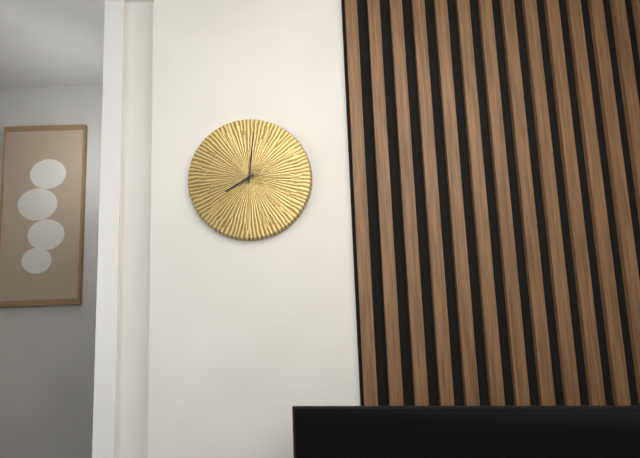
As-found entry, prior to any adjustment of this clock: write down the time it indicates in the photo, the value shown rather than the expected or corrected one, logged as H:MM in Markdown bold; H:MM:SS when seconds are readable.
**8:01**
